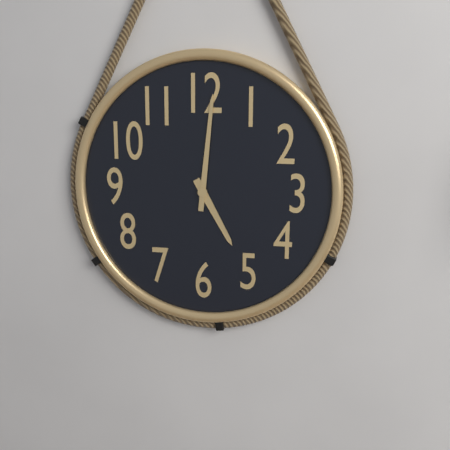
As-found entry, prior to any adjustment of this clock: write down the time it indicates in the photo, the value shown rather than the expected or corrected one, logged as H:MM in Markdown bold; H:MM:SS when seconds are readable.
**5:01**
